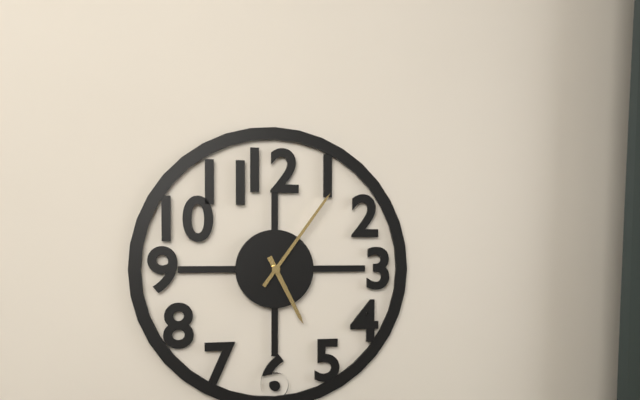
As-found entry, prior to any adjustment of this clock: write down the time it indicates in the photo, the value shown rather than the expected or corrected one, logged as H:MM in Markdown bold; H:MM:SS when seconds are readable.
**5:06**
